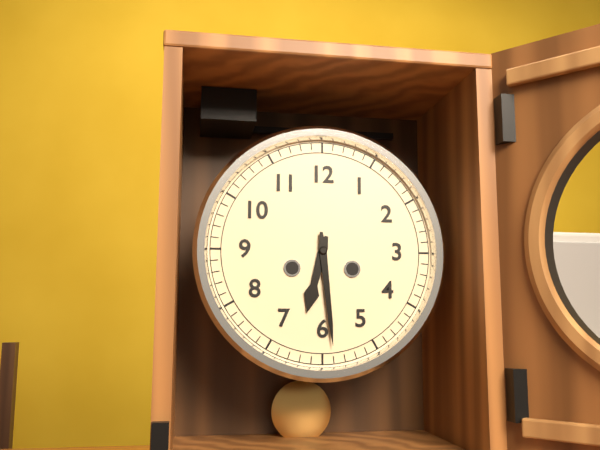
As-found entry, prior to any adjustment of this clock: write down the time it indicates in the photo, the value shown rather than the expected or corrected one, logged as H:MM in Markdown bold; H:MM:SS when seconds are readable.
**6:29**
